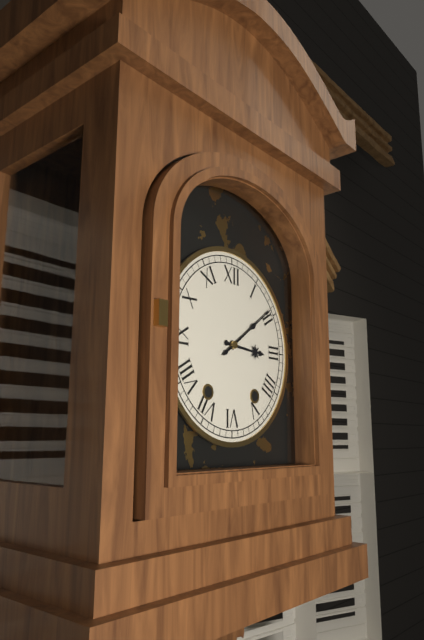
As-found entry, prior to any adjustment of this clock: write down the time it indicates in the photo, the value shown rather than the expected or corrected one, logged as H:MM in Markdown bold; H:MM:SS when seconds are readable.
**3:09**
